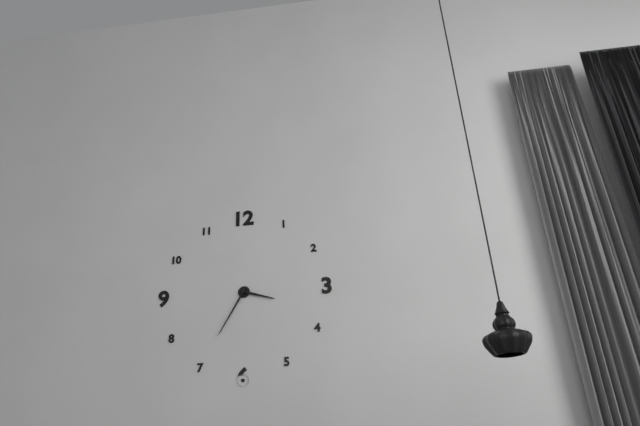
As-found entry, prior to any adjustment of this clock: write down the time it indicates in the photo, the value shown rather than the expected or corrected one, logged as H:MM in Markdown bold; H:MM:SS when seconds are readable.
**3:35**
